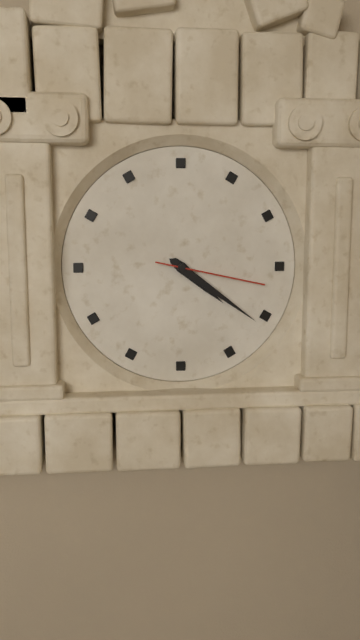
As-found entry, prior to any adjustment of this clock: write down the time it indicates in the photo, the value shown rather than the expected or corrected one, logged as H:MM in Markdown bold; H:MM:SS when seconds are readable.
**4:21:17**
